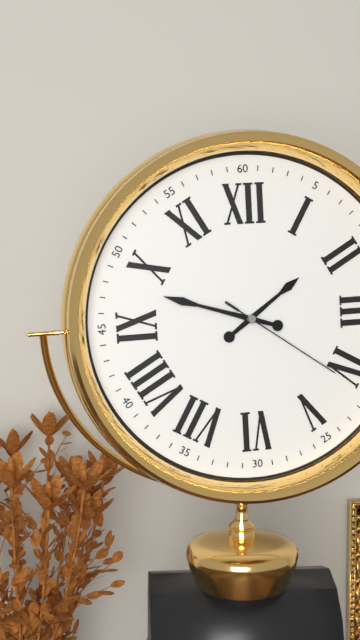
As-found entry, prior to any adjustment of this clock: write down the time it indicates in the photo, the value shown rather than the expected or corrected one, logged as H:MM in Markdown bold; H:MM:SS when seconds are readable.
**1:48:21**
